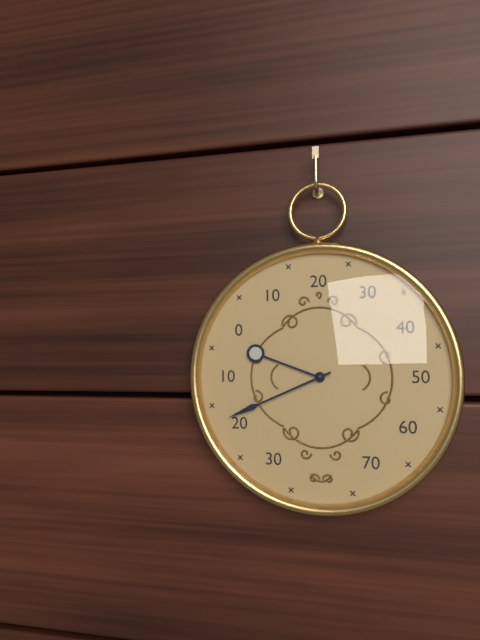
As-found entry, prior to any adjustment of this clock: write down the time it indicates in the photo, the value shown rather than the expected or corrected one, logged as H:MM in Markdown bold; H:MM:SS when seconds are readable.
**9:41**
